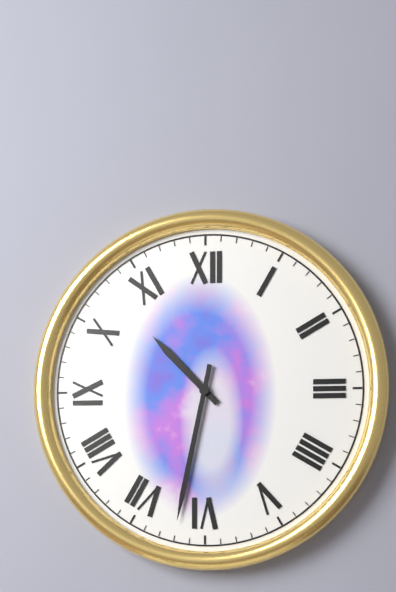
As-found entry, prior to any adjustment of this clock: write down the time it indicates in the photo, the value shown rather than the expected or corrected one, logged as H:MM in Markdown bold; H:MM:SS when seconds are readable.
**10:32**
